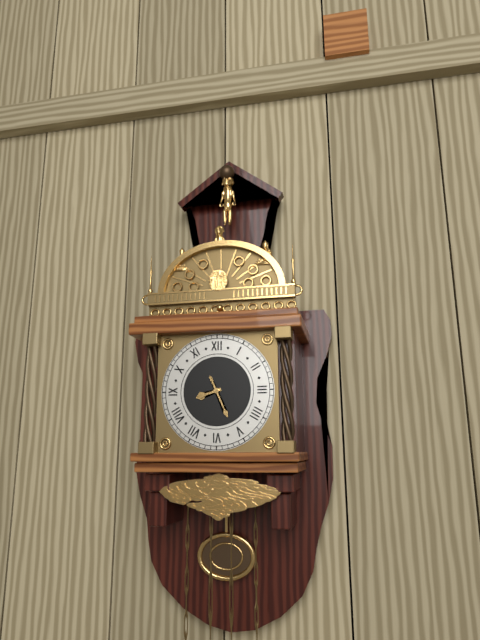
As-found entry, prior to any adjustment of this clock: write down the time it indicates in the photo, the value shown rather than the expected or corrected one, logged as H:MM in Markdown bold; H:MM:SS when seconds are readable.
**8:26**
